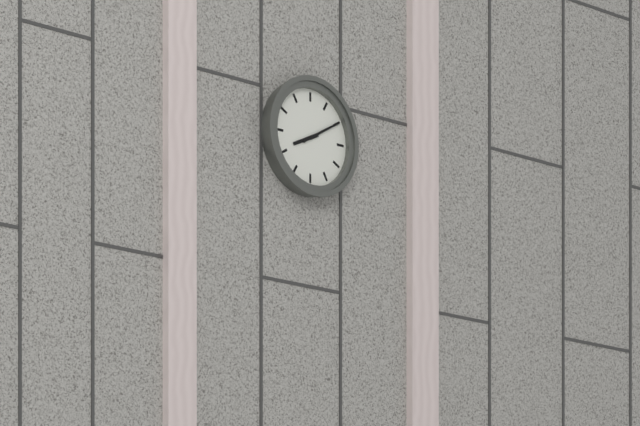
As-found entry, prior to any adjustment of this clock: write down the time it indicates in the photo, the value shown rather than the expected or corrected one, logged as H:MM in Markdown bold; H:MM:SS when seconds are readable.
**8:10**
